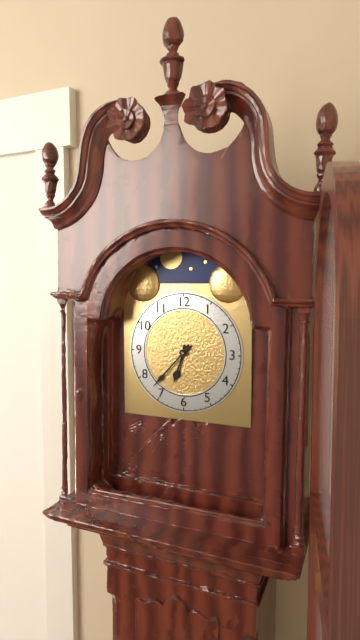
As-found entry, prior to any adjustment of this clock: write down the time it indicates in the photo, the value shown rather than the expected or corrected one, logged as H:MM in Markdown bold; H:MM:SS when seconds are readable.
**6:37**
